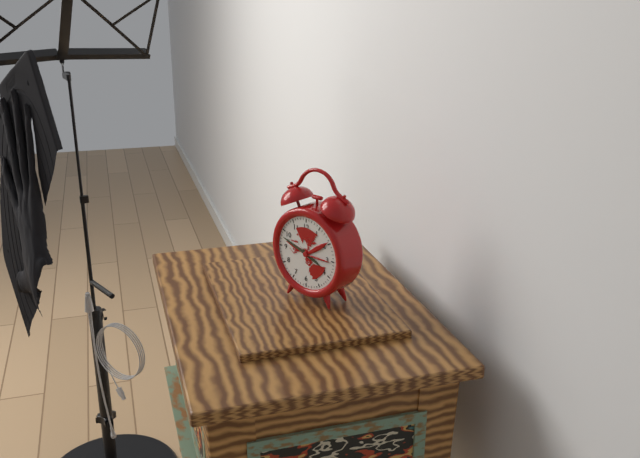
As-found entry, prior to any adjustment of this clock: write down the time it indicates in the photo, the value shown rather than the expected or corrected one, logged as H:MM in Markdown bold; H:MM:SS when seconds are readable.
**3:48**
